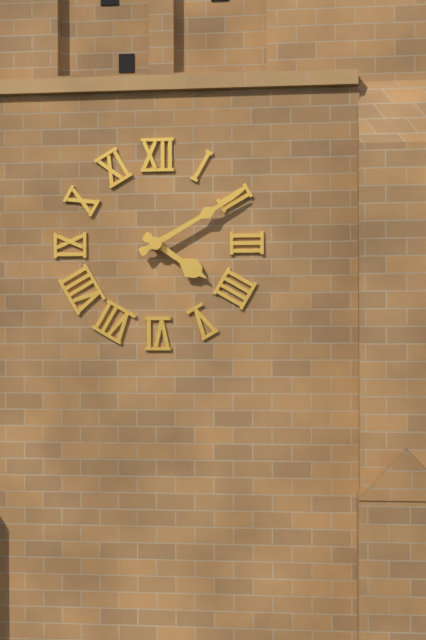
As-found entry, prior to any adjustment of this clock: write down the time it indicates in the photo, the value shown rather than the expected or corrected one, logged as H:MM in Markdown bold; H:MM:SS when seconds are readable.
**4:10**
